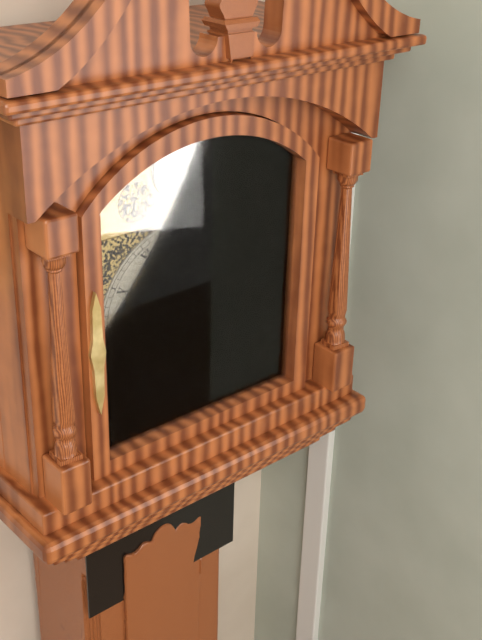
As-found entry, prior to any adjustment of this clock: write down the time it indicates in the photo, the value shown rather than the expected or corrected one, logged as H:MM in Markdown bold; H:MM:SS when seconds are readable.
**10:59**
